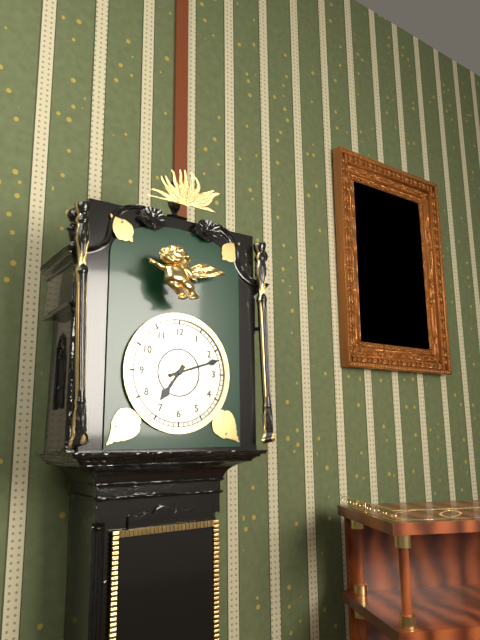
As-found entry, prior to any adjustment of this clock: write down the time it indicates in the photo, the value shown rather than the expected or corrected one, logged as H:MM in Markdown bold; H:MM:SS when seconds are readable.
**7:12**
